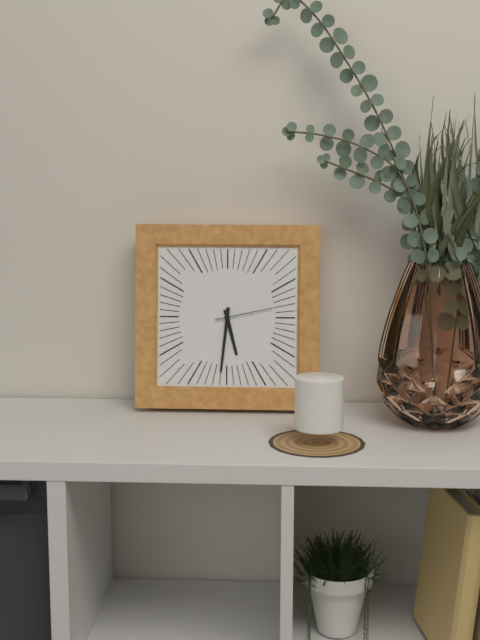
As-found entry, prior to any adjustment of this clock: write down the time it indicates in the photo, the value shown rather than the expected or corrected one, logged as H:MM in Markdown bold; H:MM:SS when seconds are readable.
**5:31:13**
